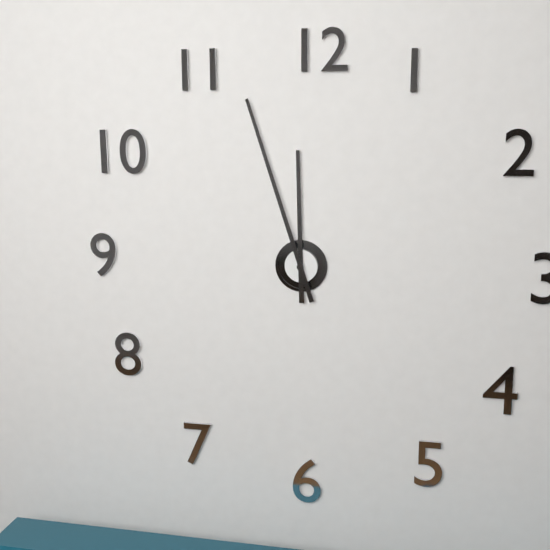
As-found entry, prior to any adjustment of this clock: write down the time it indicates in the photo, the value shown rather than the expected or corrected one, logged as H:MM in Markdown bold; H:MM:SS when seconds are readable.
**11:57**
